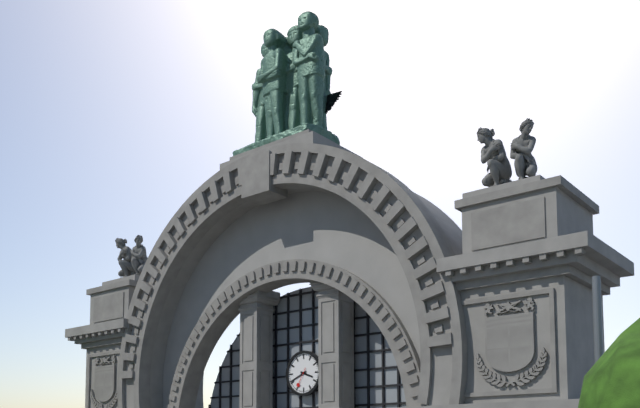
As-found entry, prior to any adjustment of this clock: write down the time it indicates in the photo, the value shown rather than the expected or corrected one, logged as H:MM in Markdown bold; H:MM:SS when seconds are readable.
**3:41**
